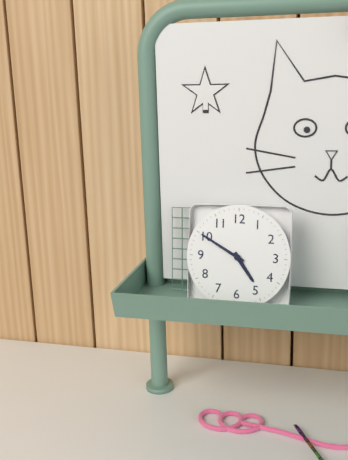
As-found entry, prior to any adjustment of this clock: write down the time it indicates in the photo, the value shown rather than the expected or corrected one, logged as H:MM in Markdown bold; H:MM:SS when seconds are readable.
**4:50**
